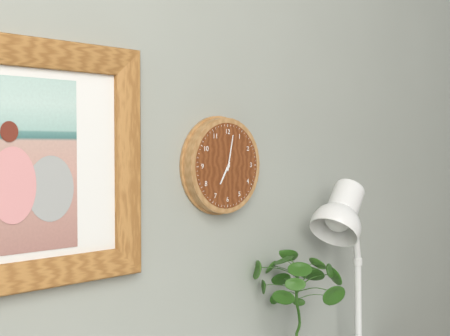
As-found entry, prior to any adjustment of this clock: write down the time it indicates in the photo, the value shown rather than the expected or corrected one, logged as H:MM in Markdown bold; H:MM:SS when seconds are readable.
**7:02**
